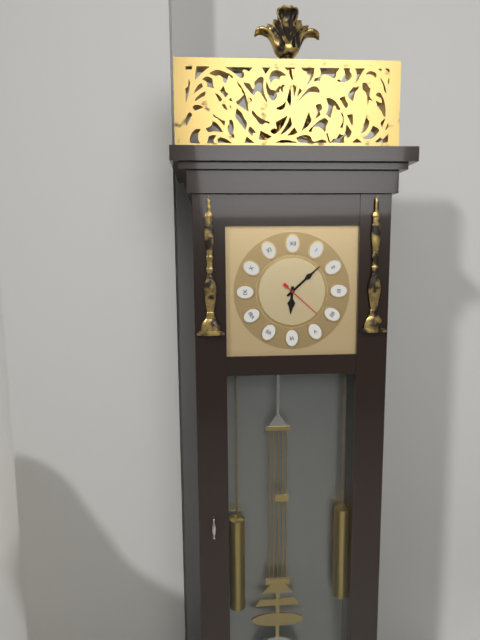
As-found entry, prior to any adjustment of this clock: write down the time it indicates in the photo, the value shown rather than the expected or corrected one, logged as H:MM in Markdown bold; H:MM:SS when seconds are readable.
**6:08**
